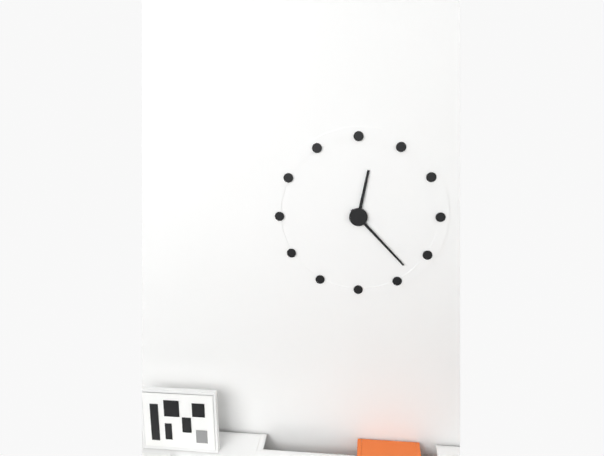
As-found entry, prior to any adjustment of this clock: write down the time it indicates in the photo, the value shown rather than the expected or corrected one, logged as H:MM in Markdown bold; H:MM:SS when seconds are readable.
**12:23**
